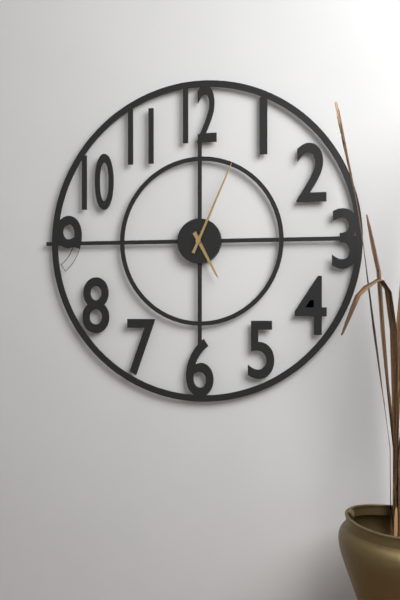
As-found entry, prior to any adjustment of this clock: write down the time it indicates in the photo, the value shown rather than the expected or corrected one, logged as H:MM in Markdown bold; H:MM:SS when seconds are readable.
**5:04**
